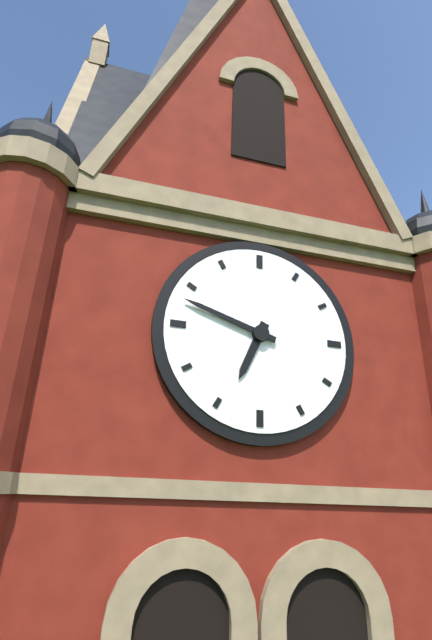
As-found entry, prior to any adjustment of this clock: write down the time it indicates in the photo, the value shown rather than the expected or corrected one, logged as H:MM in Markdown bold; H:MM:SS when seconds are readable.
**6:48**
